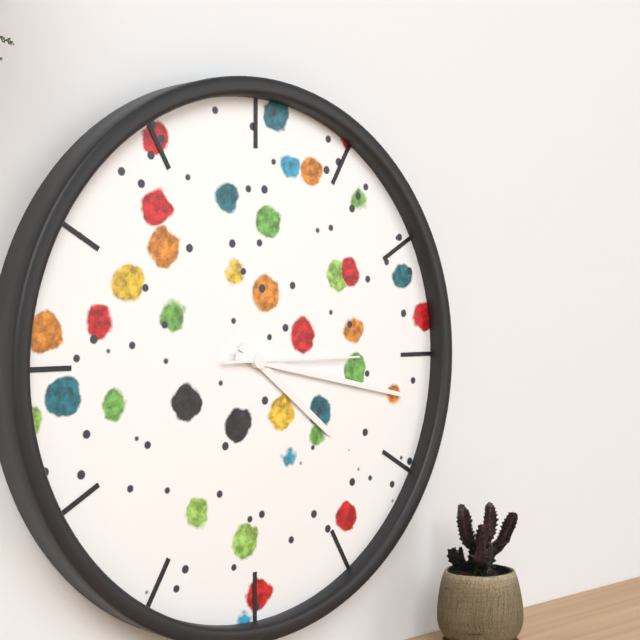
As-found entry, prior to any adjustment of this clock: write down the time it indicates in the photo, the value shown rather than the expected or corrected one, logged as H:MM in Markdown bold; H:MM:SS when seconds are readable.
**4:17:15**
